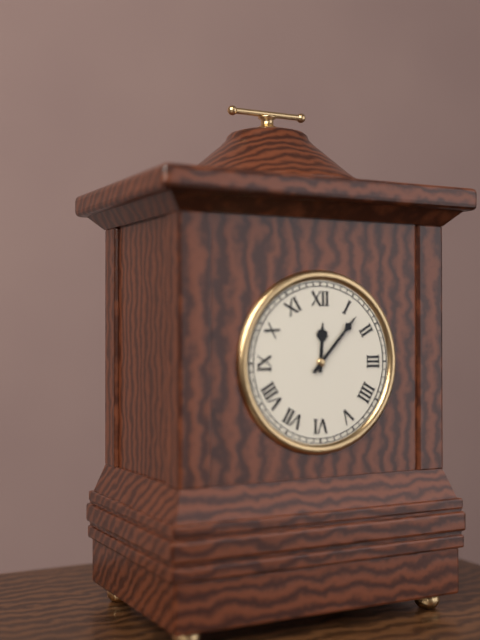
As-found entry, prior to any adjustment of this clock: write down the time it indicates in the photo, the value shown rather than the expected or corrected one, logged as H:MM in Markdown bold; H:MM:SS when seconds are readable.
**12:07**
